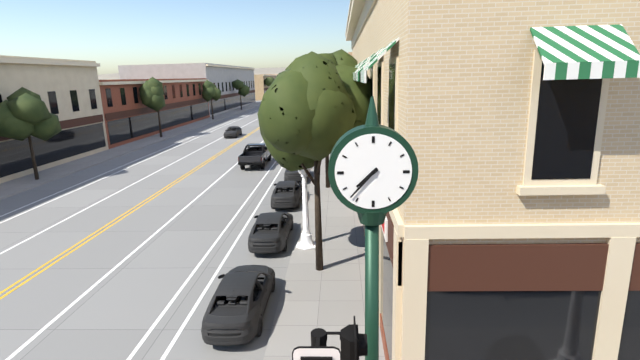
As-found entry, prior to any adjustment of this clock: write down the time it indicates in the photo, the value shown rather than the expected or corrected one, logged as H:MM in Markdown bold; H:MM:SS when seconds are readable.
**7:37**
